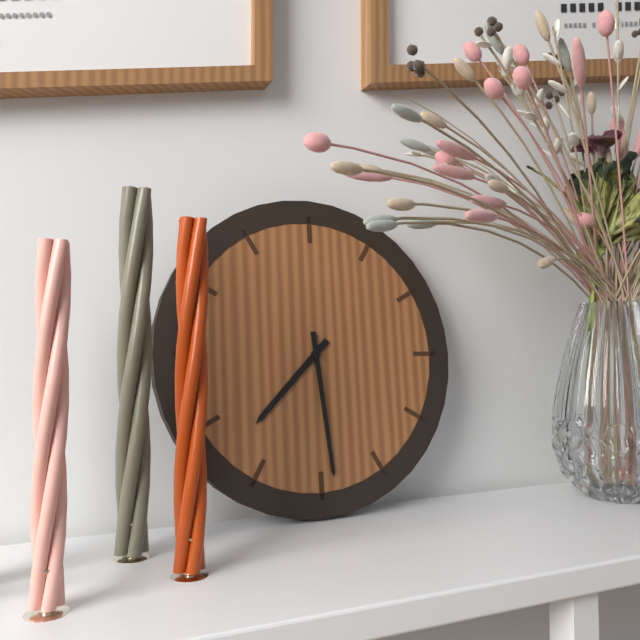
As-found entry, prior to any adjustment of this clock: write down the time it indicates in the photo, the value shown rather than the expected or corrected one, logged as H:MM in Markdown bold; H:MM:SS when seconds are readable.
**7:29**
